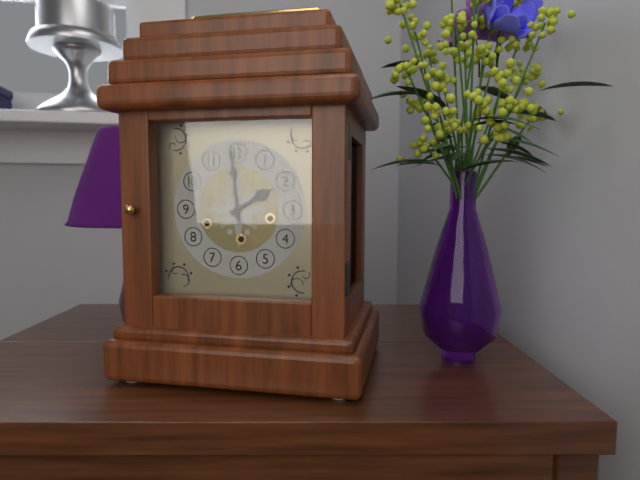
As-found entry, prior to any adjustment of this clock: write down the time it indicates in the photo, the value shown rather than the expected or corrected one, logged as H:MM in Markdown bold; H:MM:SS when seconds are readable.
**1:59**
